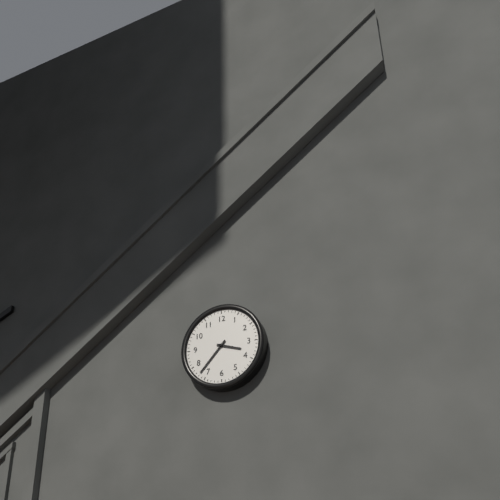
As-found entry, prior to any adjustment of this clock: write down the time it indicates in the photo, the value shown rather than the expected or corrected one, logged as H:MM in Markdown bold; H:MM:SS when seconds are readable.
**3:37**
